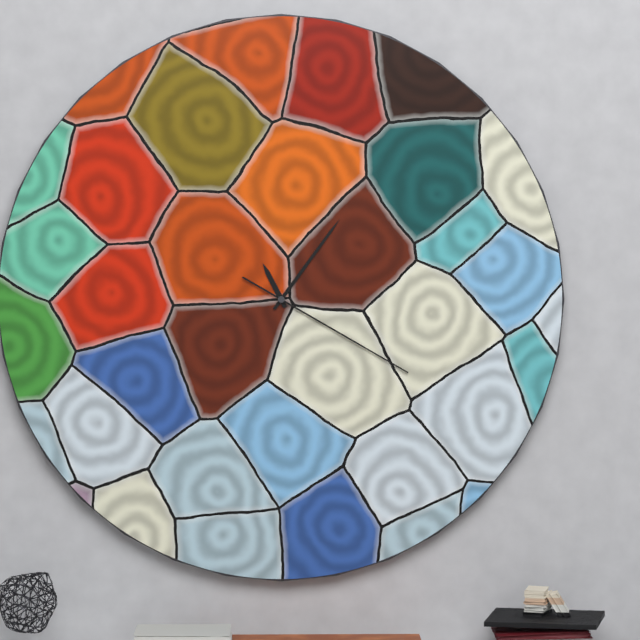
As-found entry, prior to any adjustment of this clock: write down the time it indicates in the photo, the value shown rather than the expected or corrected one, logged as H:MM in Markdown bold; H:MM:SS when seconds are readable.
**11:06:20**
